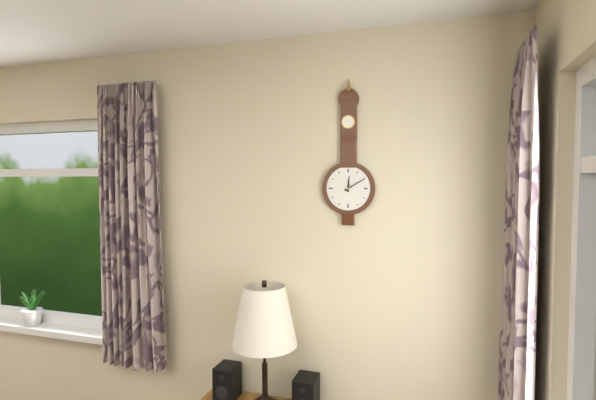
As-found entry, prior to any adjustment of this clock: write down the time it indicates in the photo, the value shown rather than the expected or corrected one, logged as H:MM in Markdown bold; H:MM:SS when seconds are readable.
**12:10**
